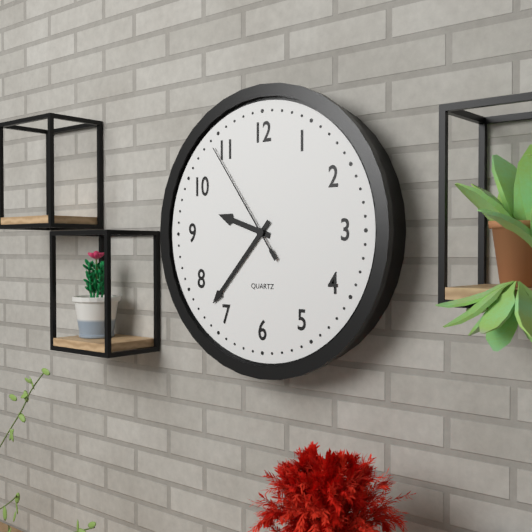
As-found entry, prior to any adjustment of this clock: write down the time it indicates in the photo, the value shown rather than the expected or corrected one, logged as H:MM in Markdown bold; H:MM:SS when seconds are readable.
**9:37:54**
